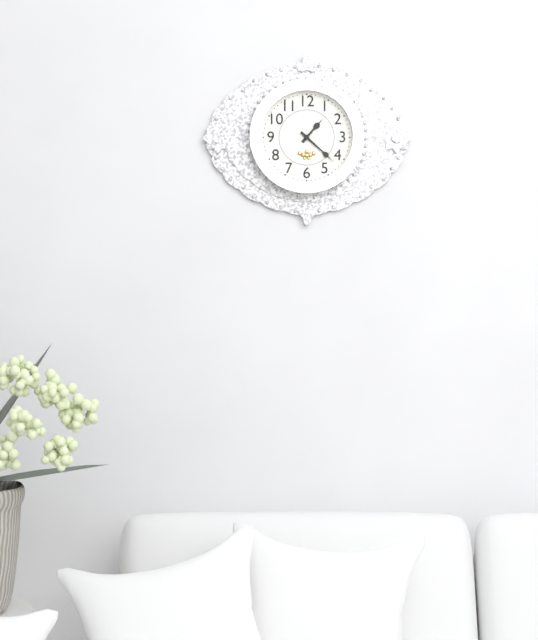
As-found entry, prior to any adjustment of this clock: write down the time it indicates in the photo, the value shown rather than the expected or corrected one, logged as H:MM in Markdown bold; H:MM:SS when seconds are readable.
**1:22**
